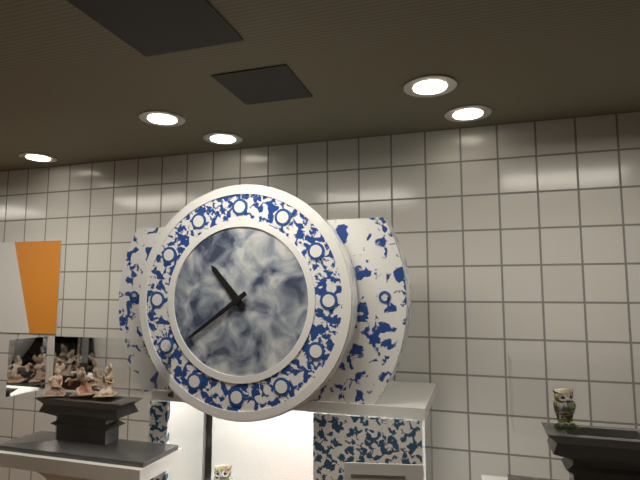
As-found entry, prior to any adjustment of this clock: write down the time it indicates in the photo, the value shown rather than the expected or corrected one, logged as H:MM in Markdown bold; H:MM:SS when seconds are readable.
**10:39**
